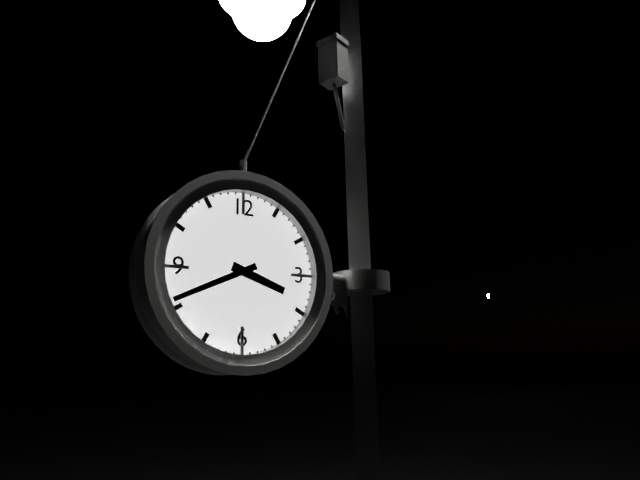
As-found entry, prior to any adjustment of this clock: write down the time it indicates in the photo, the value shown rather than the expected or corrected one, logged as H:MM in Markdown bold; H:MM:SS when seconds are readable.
**3:41**
